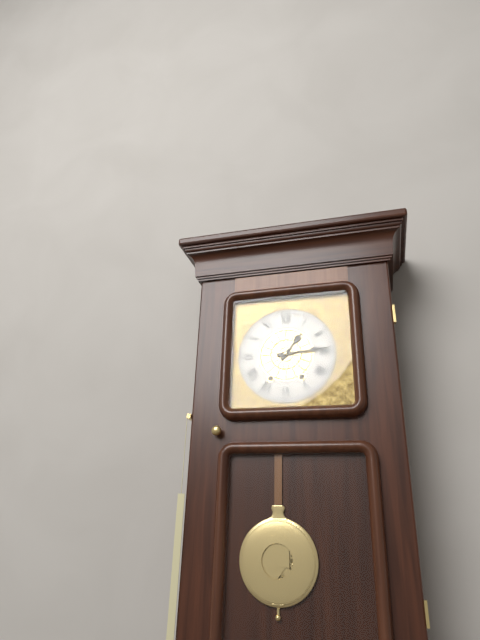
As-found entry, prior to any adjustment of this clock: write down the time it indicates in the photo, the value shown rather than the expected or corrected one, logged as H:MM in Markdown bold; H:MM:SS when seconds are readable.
**1:14**
